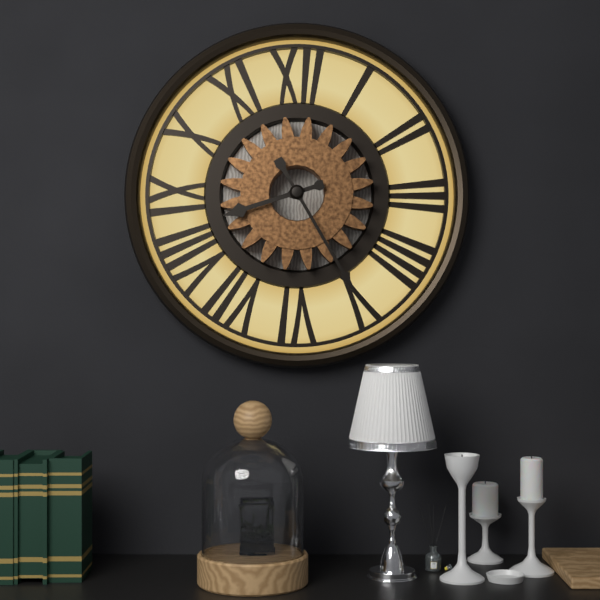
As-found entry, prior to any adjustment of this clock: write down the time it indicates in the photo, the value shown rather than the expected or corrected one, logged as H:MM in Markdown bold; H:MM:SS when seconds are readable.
**8:25**
